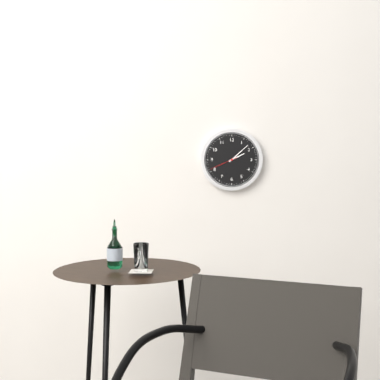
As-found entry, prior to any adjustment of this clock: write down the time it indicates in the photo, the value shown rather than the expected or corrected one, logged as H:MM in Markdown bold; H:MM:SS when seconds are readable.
**2:08**
